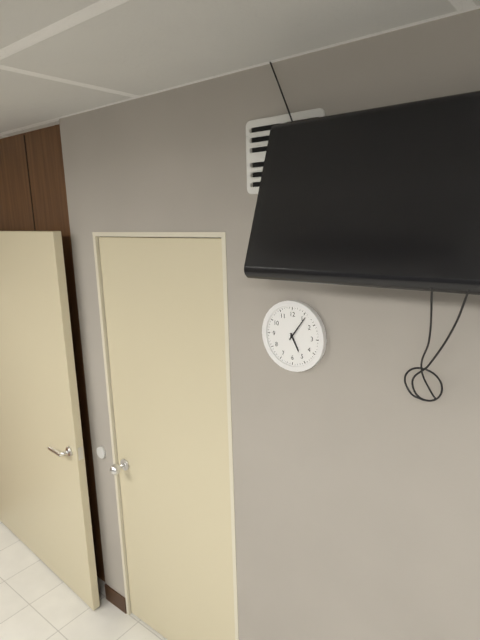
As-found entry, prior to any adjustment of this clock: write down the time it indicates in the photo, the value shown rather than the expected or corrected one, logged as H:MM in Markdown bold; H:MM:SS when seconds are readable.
**5:06**
